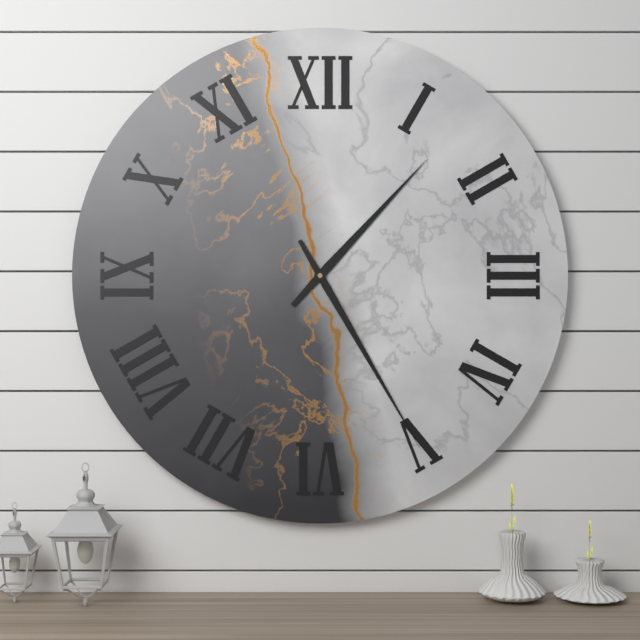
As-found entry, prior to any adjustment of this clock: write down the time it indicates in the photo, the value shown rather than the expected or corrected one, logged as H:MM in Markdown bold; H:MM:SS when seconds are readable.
**1:25**
